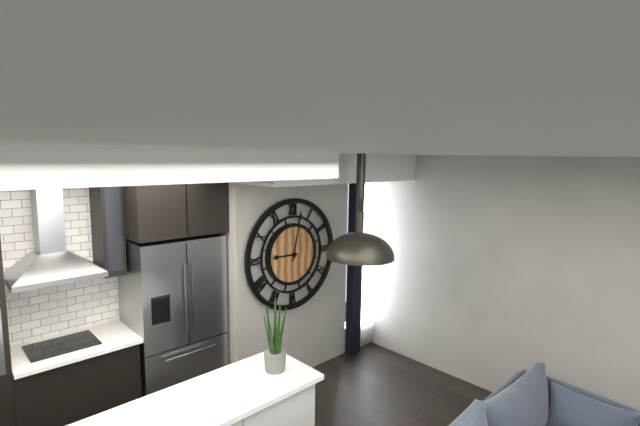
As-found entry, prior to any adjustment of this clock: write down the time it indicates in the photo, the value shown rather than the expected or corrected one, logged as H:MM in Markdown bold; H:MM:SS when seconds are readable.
**9:02**
